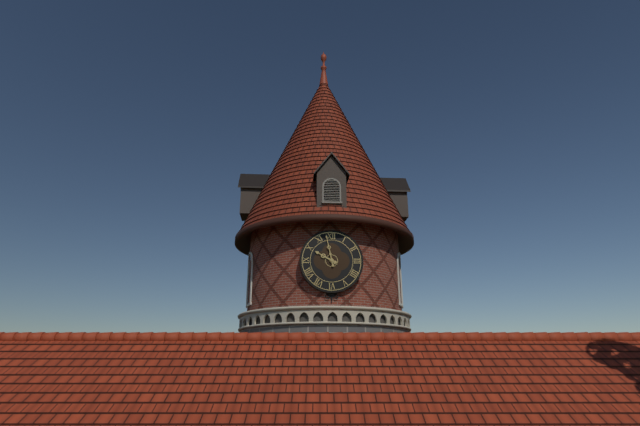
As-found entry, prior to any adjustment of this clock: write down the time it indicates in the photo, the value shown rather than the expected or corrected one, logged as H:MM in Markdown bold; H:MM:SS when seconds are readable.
**9:58**
